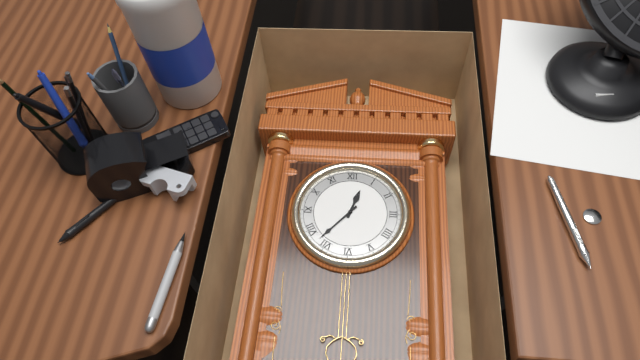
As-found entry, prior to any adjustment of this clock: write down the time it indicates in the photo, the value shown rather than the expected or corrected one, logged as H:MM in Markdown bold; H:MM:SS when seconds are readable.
**12:37**
